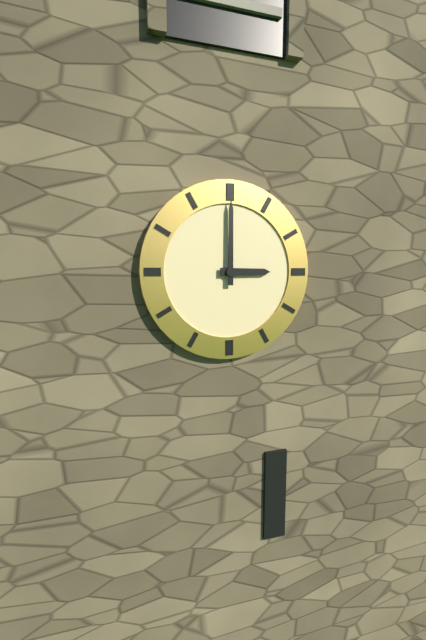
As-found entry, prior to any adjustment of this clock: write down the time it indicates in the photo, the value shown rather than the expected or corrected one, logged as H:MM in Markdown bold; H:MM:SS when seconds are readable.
**3:00**
